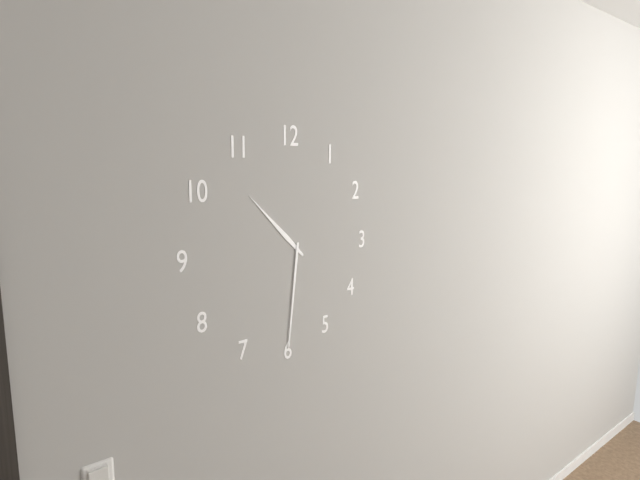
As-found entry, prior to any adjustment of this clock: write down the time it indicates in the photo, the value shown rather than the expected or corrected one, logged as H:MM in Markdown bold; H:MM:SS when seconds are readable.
**10:31**
